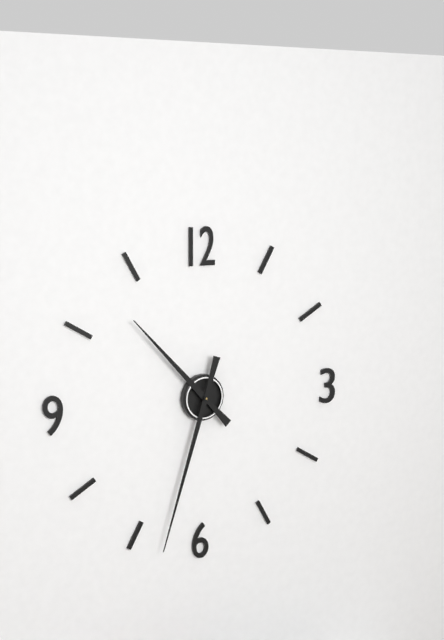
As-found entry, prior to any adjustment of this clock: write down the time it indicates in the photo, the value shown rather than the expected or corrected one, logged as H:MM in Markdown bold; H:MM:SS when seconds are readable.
**10:33**
